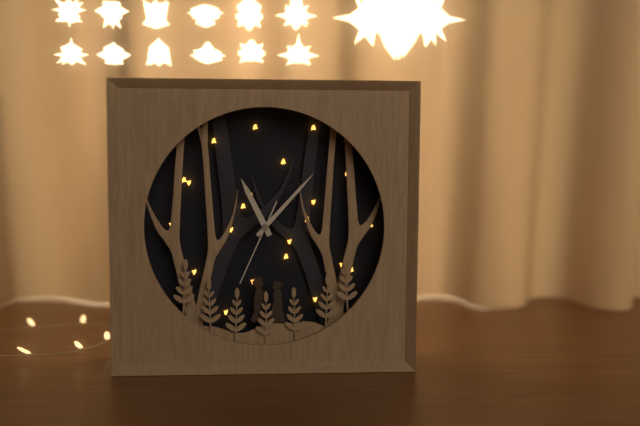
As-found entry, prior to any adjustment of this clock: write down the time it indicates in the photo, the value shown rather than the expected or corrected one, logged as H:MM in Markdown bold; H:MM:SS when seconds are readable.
**11:07:34**
